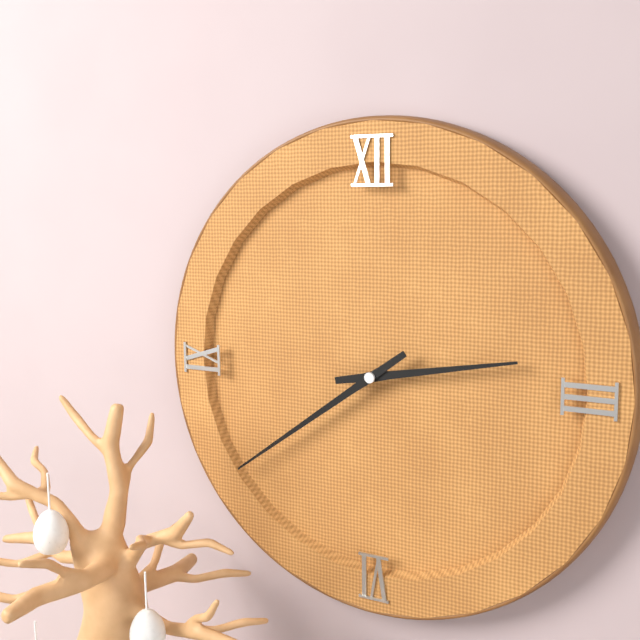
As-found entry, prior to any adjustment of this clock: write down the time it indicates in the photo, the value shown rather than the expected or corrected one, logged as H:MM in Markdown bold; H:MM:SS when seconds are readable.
**2:39**
